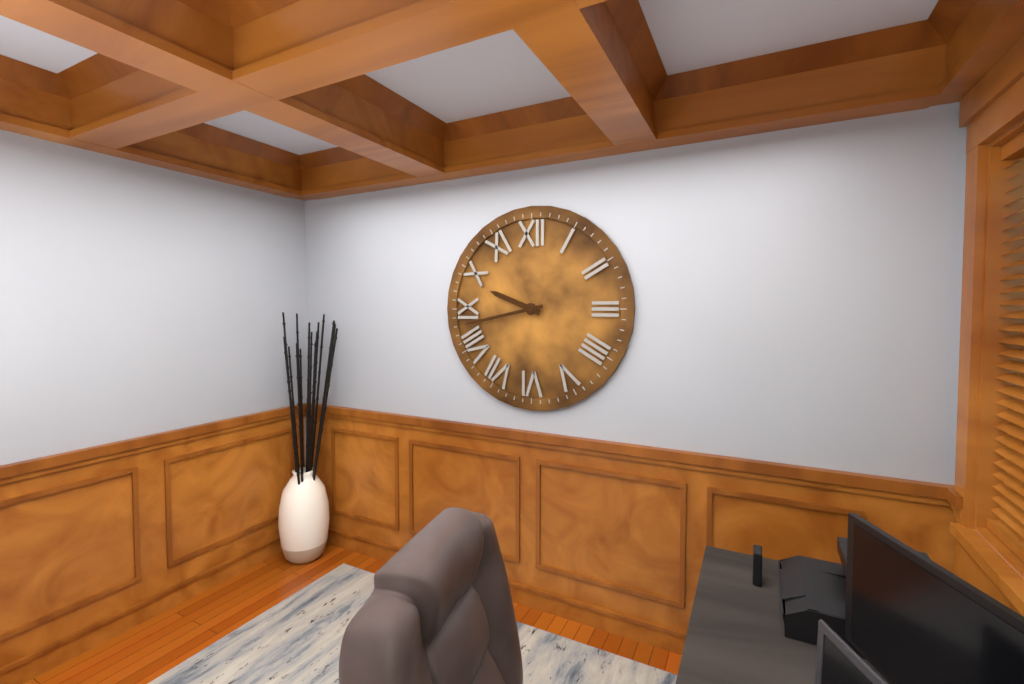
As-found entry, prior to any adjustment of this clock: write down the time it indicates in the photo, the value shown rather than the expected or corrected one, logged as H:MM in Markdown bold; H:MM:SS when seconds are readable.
**9:43**
